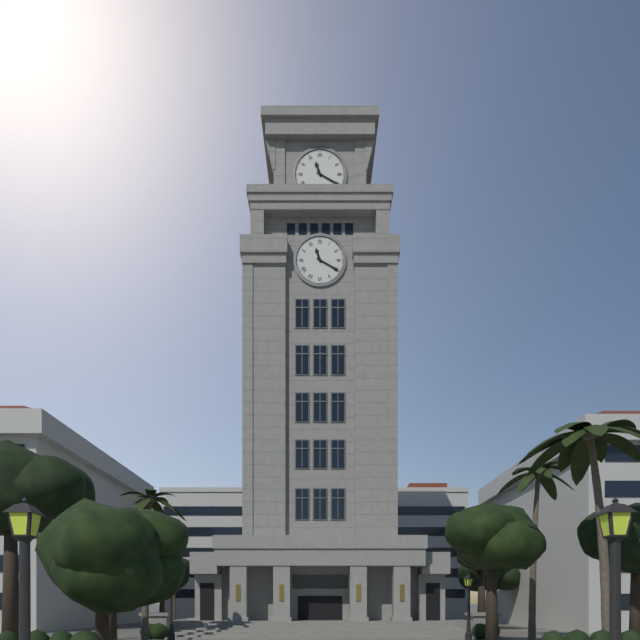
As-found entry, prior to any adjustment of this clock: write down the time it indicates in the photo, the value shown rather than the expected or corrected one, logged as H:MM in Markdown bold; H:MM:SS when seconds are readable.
**11:20**
